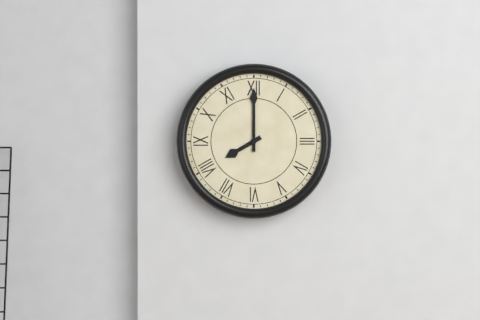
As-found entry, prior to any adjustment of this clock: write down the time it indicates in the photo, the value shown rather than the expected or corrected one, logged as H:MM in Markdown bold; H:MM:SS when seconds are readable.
**8:00**
